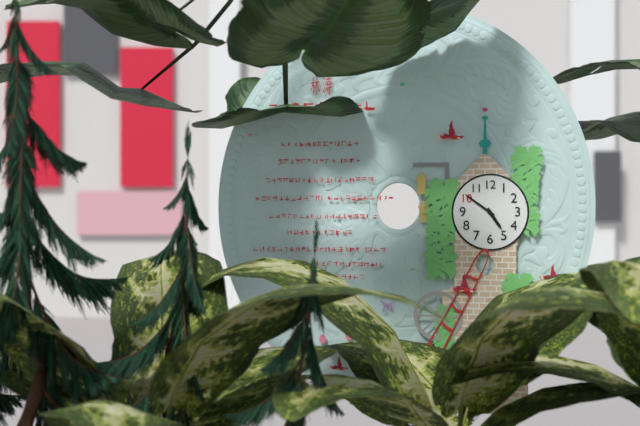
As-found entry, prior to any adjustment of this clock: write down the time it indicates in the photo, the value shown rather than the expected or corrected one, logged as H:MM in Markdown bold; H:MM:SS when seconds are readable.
**4:51**
